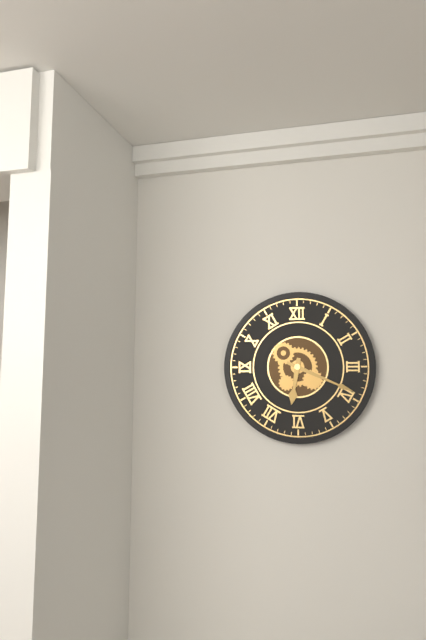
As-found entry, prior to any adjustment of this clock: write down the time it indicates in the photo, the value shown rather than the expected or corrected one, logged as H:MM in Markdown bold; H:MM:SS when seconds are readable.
**6:19**
